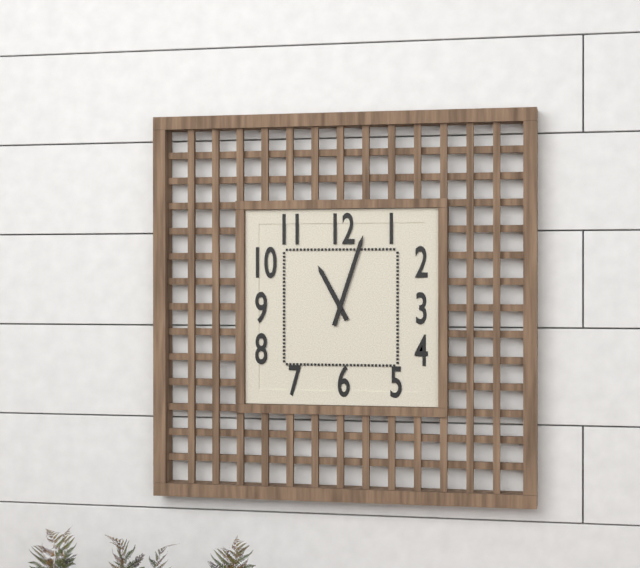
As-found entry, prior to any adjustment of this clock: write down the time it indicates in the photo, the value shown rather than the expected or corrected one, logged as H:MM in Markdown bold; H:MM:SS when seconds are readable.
**11:03**
